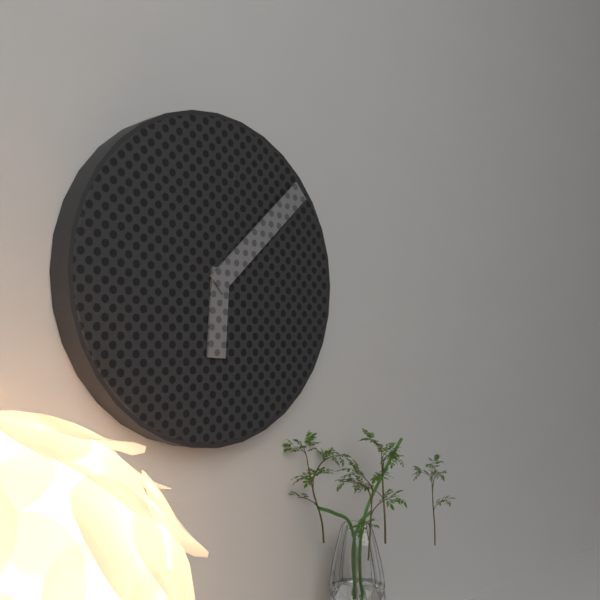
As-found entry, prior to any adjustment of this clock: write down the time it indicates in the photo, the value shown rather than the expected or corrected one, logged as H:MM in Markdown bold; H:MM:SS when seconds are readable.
**6:08**
